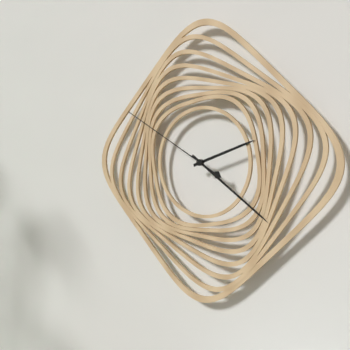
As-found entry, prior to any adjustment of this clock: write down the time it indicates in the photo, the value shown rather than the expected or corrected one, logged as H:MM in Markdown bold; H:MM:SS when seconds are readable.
**2:21:50**
